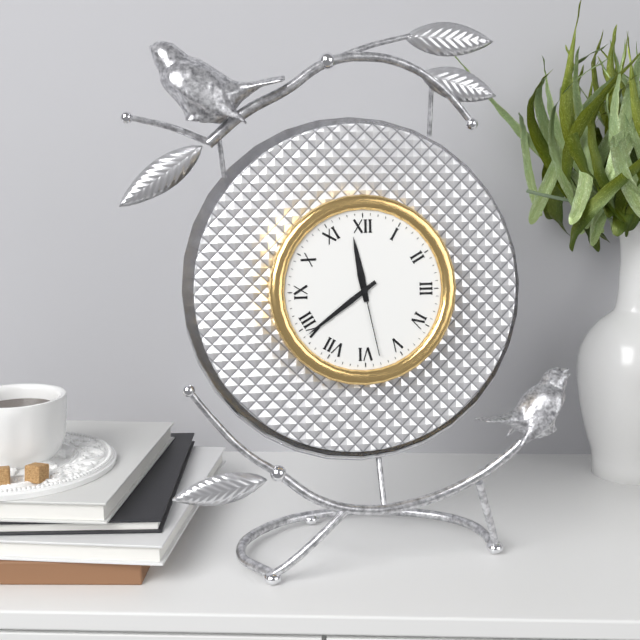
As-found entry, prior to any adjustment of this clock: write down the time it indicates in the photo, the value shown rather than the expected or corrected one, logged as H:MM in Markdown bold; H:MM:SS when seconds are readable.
**11:39:28**
